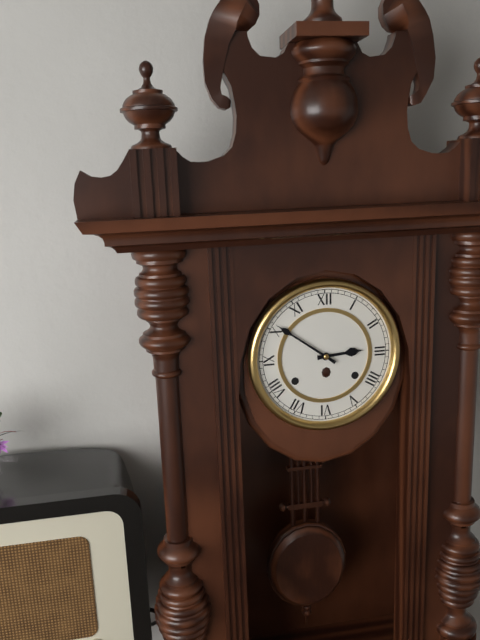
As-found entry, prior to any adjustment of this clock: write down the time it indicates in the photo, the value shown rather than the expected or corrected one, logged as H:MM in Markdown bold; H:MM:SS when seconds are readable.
**2:51**
